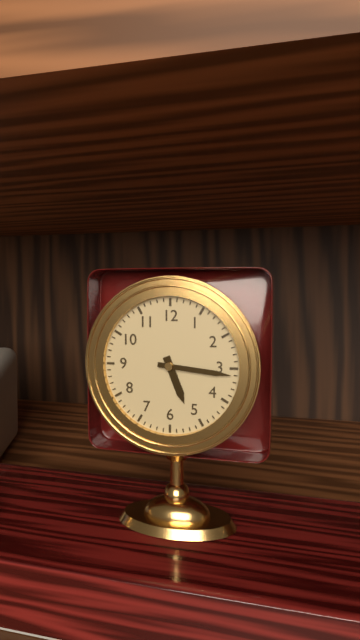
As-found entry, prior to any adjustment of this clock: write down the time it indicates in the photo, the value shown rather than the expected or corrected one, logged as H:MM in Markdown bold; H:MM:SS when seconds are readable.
**5:16**
